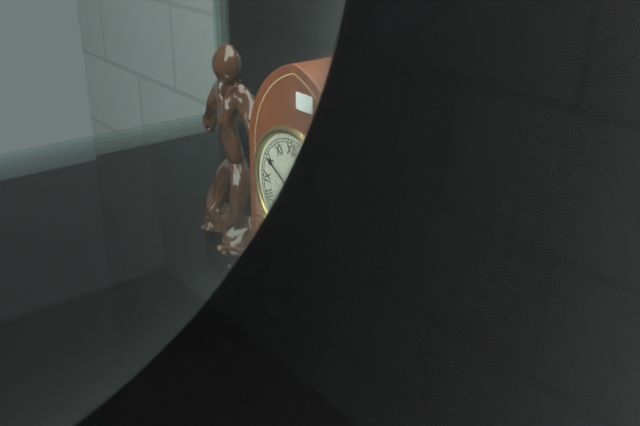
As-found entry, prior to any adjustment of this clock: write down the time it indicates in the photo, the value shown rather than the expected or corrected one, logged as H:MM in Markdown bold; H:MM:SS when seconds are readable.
**3:50**
